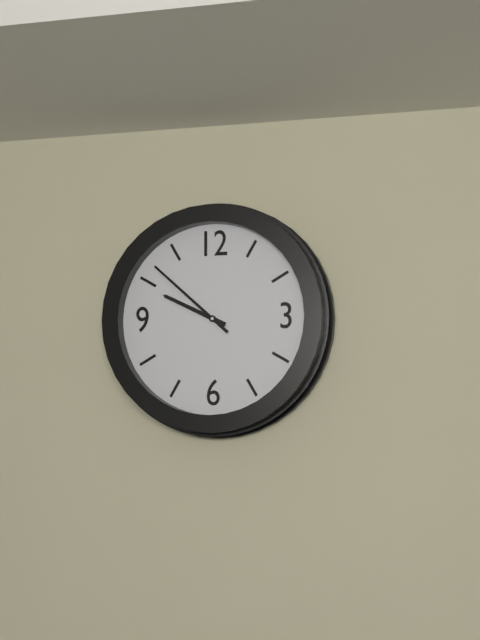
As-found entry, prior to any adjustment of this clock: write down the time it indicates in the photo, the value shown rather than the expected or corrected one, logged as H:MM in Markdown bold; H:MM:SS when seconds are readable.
**9:52**
